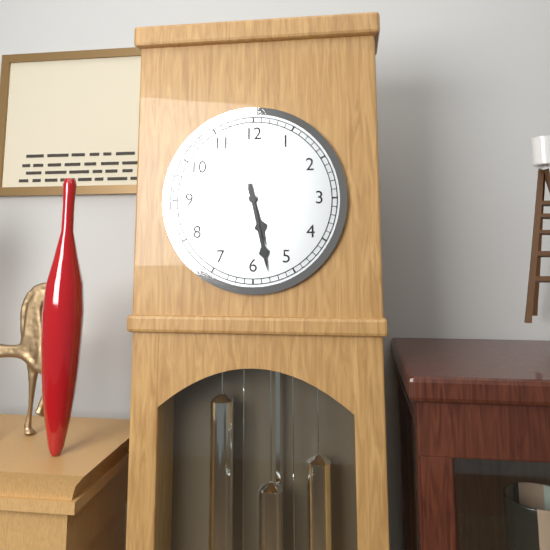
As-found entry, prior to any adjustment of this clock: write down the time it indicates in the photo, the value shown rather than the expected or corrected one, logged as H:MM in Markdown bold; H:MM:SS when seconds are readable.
**5:28**
